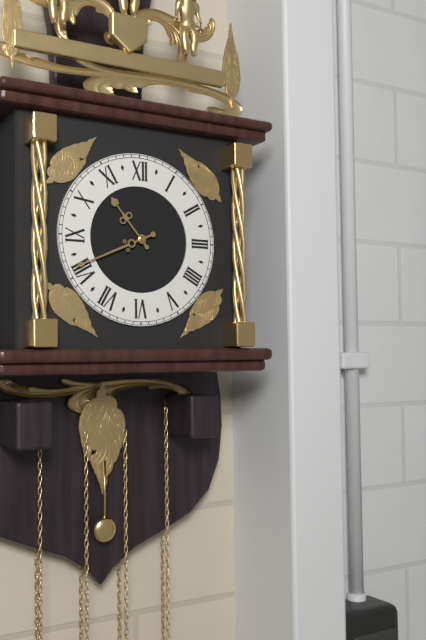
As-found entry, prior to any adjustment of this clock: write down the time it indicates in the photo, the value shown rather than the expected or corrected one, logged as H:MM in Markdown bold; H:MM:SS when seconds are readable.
**10:41**
